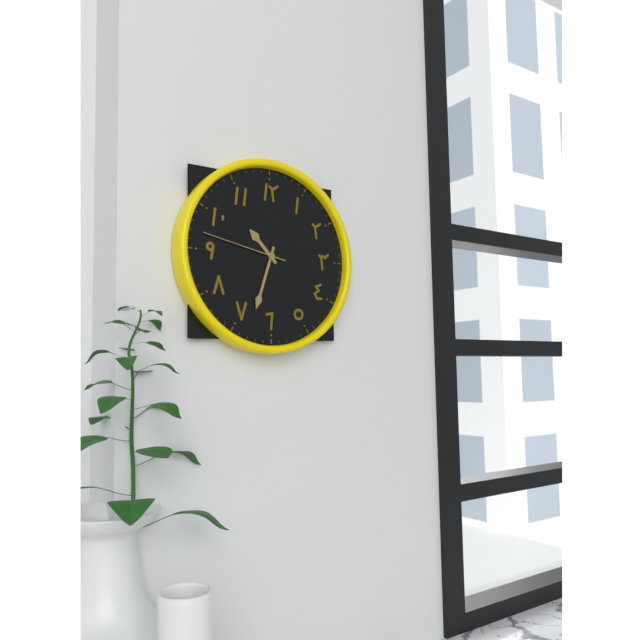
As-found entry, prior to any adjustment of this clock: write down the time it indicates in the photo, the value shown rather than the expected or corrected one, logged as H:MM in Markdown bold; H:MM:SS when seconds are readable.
**10:33:47**
